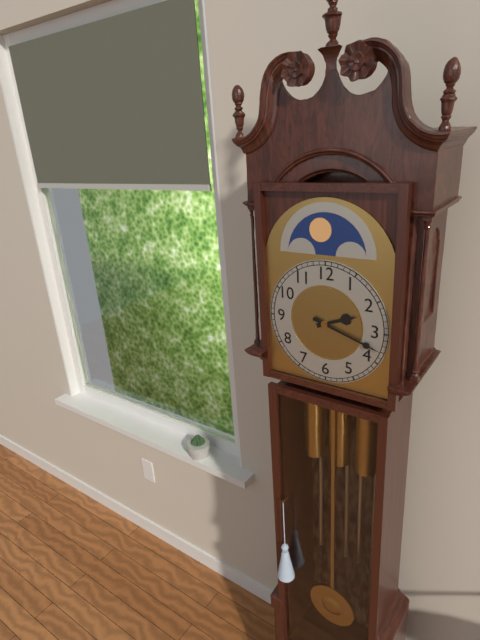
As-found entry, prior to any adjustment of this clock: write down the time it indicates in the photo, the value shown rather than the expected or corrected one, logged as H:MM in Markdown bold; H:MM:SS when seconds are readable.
**2:18**
